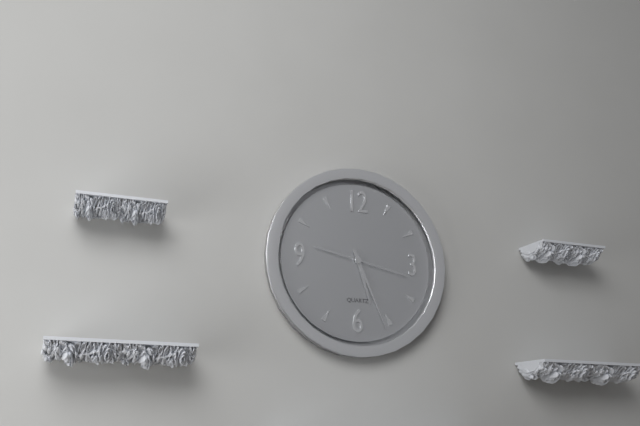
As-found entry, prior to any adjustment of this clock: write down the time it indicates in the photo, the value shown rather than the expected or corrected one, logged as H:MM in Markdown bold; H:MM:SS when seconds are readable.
**5:26:17**
